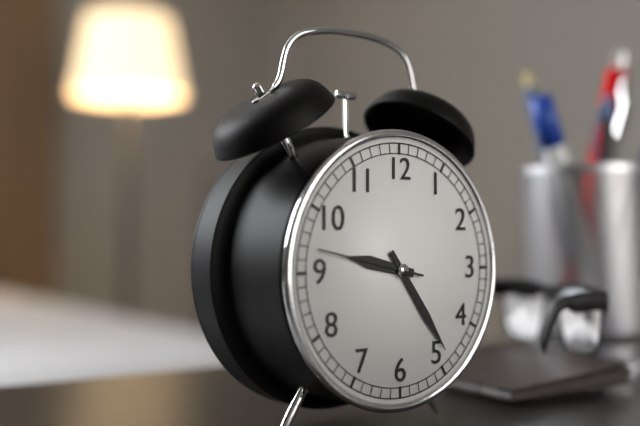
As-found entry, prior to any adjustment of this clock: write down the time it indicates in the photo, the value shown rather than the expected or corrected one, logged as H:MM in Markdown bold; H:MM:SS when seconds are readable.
**9:24:47**
